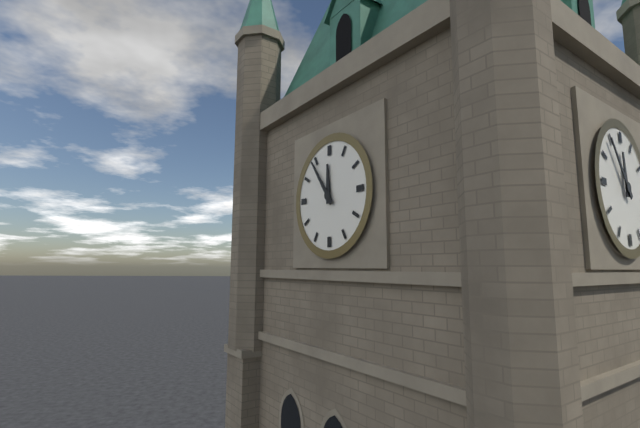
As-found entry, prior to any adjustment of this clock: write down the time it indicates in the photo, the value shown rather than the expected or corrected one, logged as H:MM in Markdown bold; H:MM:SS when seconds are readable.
**11:54**
